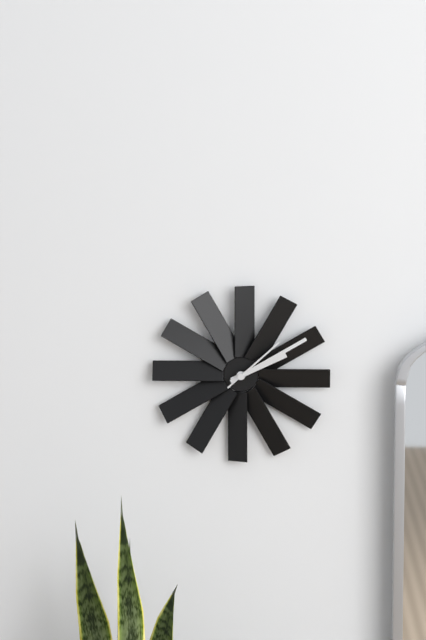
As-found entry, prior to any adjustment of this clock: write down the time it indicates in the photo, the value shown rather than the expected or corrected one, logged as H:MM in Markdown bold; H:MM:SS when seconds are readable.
**2:10:08**
